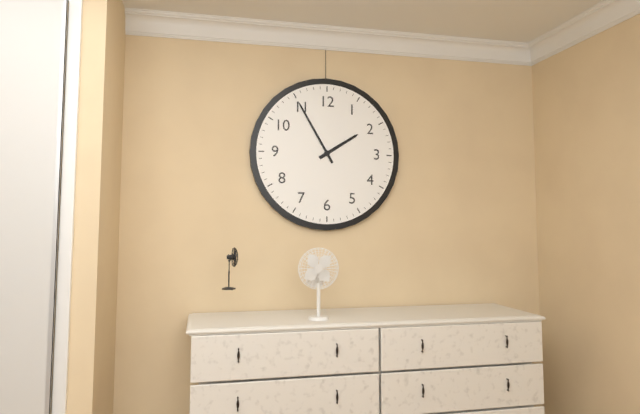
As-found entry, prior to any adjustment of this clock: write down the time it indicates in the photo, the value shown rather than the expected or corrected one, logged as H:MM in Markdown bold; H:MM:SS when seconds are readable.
**1:55**
